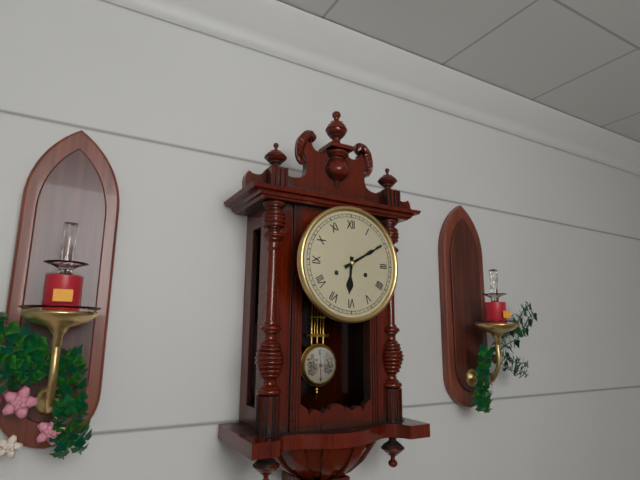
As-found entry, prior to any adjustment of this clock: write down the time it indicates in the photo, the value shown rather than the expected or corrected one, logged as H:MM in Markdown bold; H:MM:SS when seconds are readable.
**6:10**
